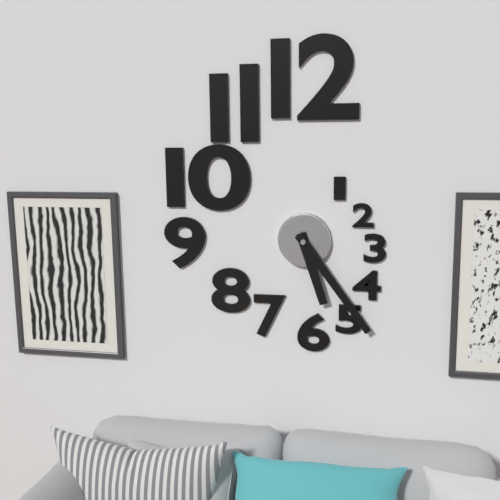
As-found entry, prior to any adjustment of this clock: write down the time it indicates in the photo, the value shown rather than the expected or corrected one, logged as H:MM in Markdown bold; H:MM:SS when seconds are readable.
**5:24**
